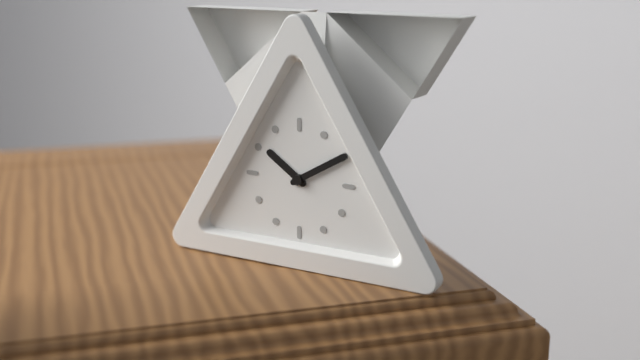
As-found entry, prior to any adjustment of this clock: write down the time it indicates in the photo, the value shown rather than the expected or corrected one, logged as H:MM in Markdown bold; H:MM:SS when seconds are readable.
**10:10**
